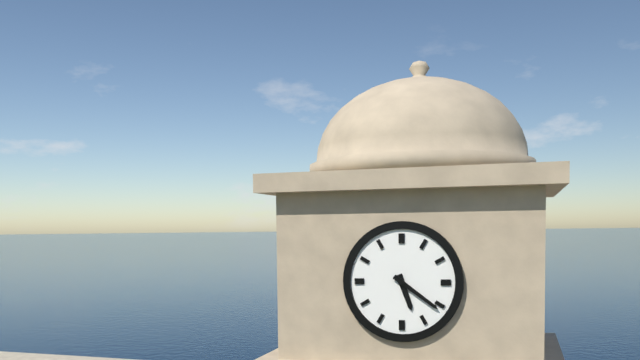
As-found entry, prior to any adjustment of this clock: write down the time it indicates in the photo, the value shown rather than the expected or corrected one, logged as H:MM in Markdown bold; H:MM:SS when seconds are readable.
**5:21**
